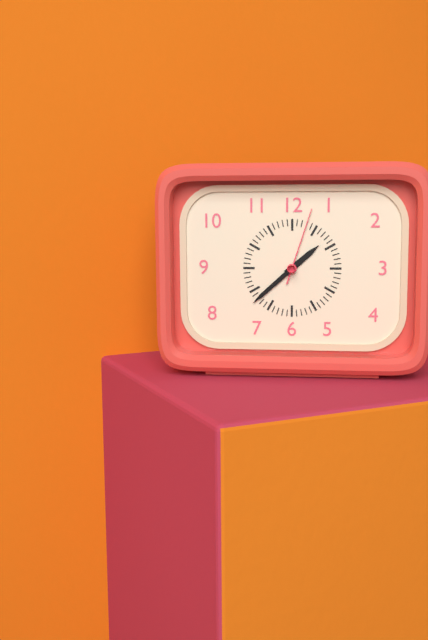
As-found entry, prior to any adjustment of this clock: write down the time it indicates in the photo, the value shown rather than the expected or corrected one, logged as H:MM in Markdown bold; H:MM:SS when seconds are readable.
**1:38:03**
